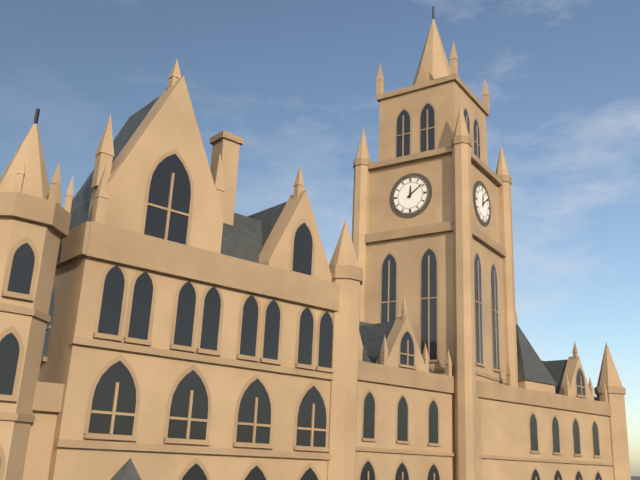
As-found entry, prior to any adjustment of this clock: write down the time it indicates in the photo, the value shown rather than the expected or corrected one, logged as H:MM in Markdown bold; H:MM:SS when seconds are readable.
**12:09**
